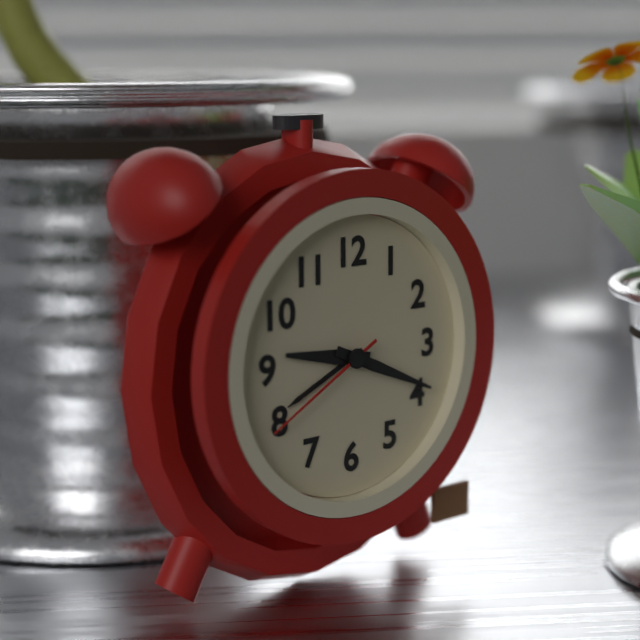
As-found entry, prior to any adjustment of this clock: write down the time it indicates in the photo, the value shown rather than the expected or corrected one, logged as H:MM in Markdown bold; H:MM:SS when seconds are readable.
**9:19:40**
